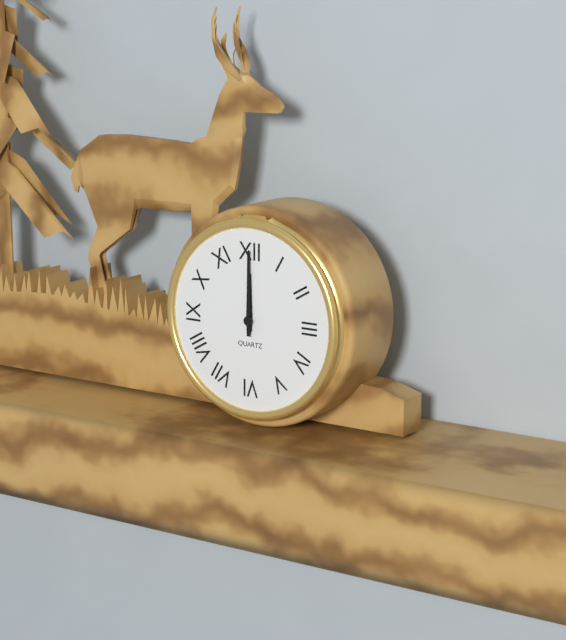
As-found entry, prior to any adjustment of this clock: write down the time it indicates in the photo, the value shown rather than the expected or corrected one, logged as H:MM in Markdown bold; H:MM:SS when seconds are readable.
**12:00**
